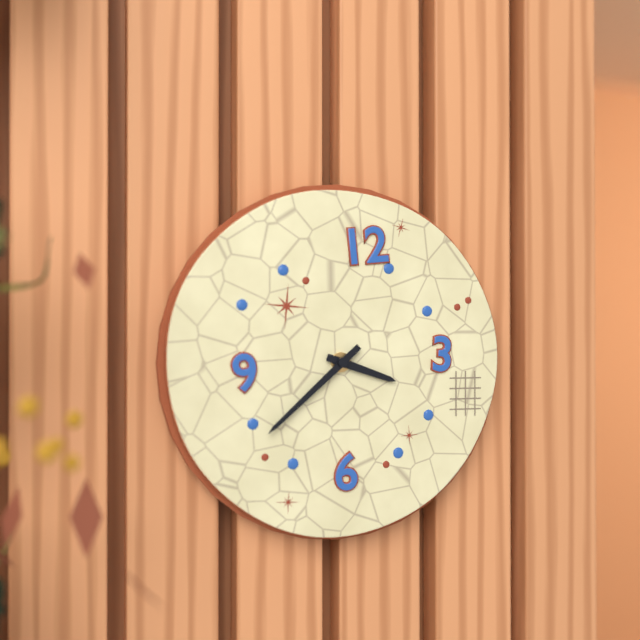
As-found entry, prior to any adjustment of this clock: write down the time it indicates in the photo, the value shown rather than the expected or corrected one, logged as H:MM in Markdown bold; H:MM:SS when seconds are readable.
**3:38**
